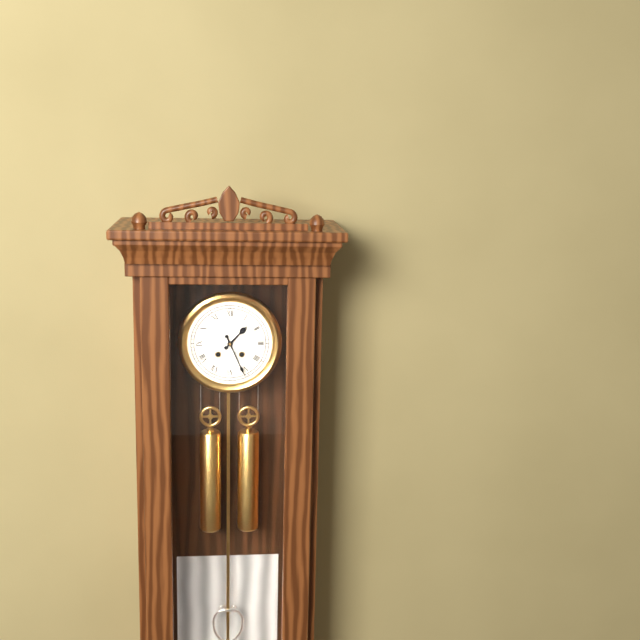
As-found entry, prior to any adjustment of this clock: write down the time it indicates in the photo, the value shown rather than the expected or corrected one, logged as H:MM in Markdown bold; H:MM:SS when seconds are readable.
**1:26**
